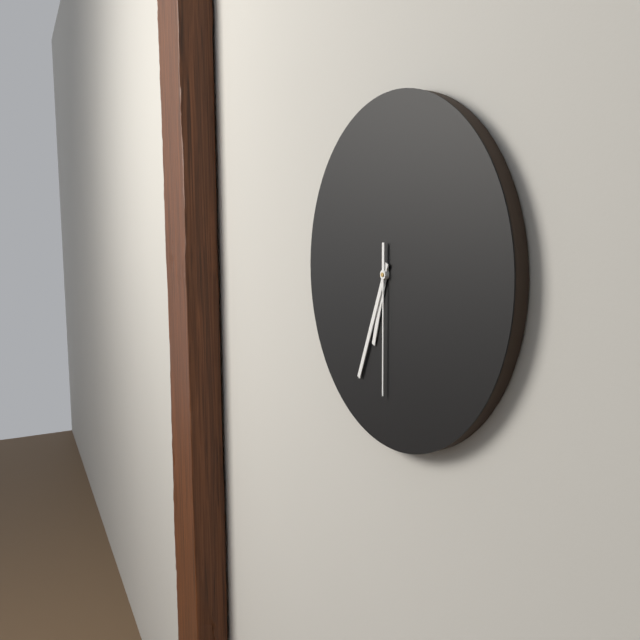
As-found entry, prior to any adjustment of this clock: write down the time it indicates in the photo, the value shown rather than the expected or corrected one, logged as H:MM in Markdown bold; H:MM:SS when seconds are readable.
**6:34:30**
